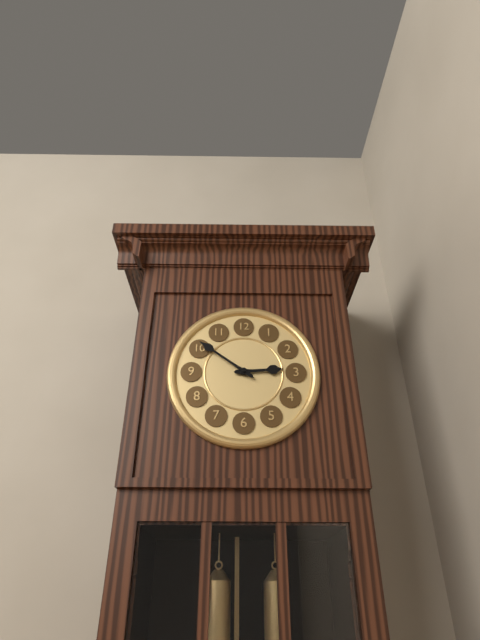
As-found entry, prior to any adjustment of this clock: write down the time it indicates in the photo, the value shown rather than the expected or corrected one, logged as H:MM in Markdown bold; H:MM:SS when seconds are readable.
**2:51**
